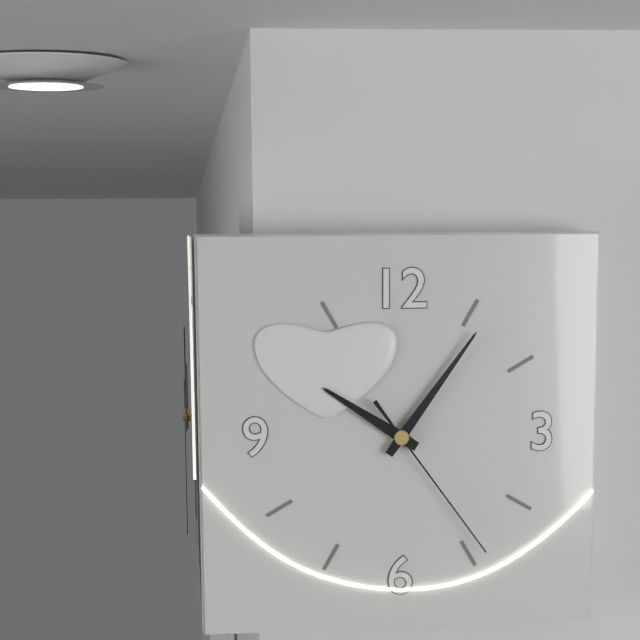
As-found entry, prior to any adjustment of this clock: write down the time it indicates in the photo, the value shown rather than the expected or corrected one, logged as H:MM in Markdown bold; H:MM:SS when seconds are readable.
**10:06:24**
